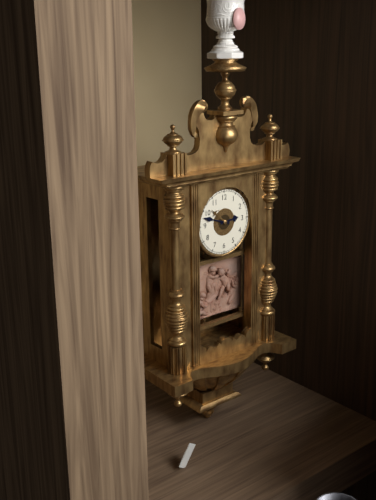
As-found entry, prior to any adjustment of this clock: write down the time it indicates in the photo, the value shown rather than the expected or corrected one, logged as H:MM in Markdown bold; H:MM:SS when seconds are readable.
**2:48**
